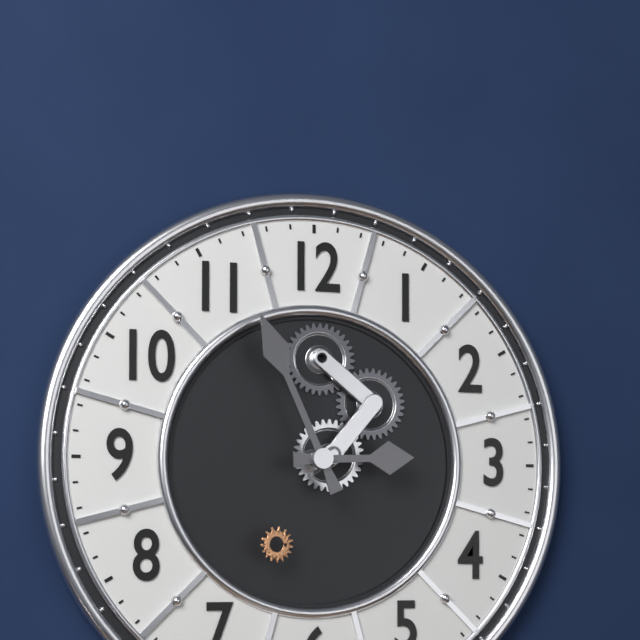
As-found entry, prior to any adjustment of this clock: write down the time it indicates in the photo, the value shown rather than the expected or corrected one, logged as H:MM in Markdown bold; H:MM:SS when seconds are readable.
**2:56**
